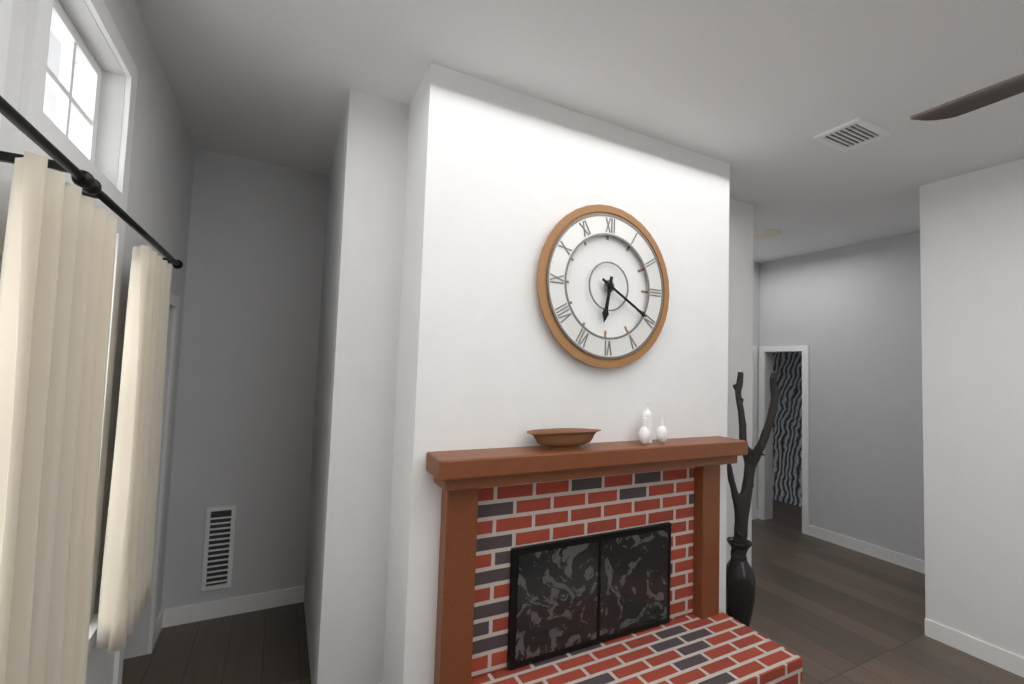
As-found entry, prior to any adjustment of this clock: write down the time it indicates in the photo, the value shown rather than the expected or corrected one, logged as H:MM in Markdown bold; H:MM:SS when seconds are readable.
**6:20**
